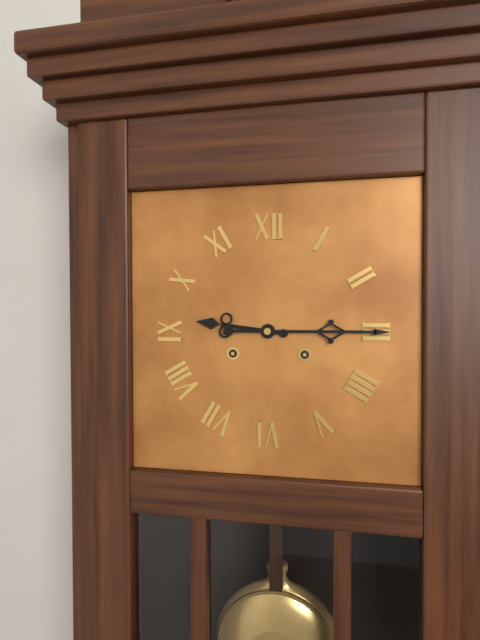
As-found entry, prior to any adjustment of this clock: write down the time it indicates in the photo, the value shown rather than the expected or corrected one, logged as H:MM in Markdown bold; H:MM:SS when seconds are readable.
**9:15**
